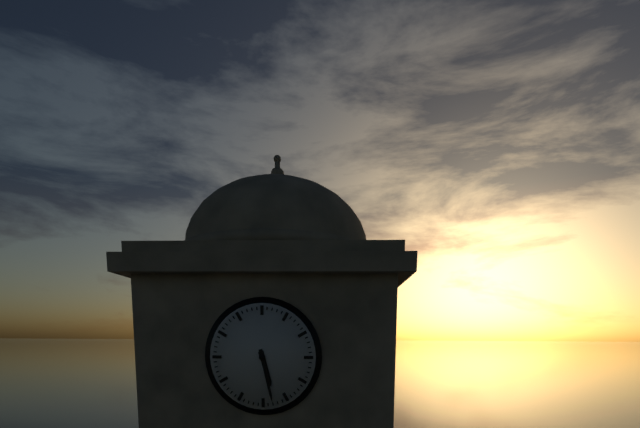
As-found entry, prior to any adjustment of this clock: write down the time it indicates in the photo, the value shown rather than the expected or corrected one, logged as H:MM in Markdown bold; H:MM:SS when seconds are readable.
**5:28**
